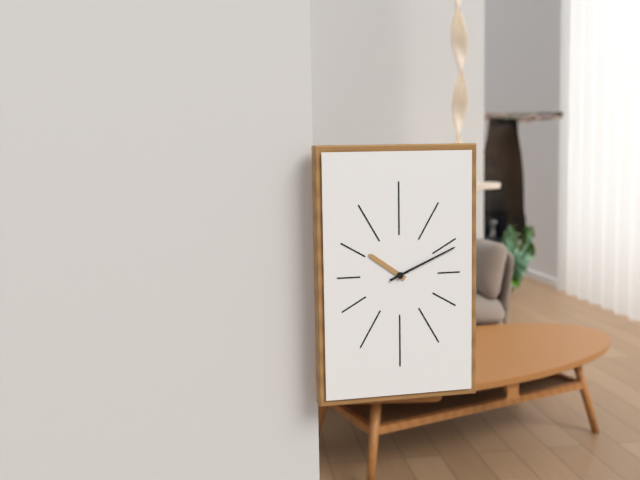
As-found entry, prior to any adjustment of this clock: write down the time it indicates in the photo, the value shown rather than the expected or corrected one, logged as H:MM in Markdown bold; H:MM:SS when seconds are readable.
**10:11**
